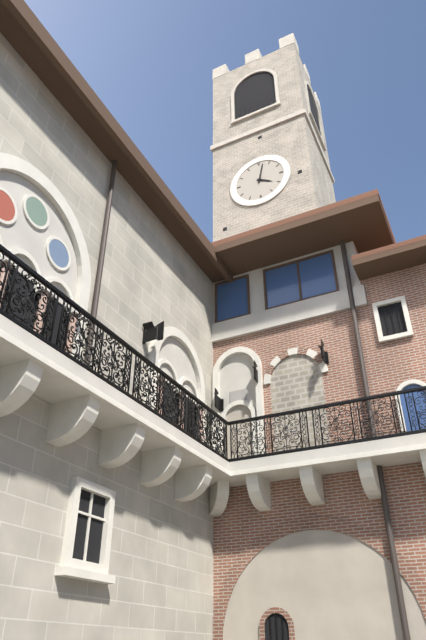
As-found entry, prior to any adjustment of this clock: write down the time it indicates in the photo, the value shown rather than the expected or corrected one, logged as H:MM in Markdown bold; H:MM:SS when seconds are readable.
**4:02**
